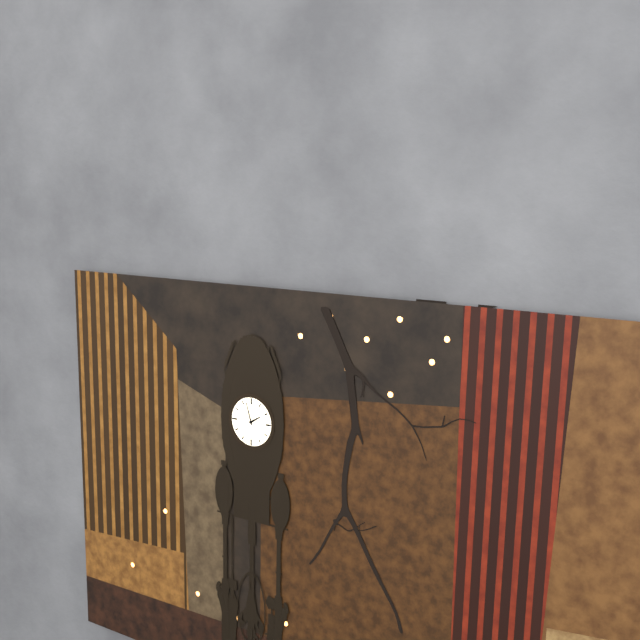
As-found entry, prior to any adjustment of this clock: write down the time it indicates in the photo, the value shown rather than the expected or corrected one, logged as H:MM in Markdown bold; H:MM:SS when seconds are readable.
**1:57**
